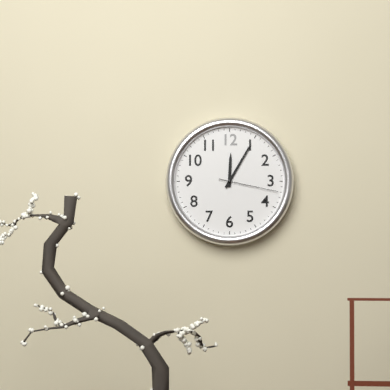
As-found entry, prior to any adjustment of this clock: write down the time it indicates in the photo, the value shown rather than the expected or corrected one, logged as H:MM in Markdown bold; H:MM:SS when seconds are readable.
**12:05:17**
